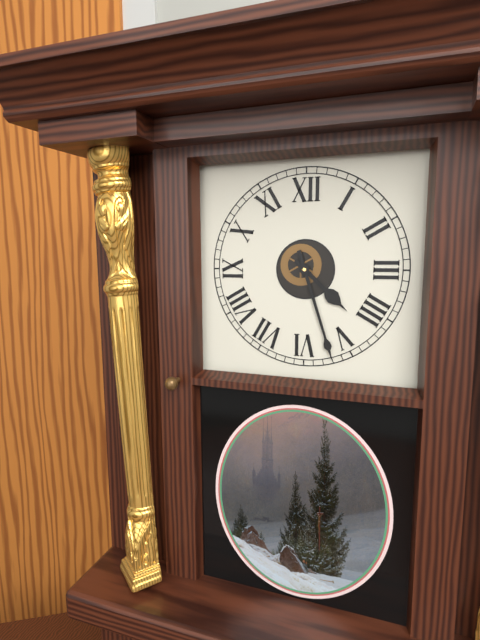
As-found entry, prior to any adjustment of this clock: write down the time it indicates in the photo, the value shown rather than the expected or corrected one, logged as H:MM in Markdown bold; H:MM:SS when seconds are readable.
**4:27**
